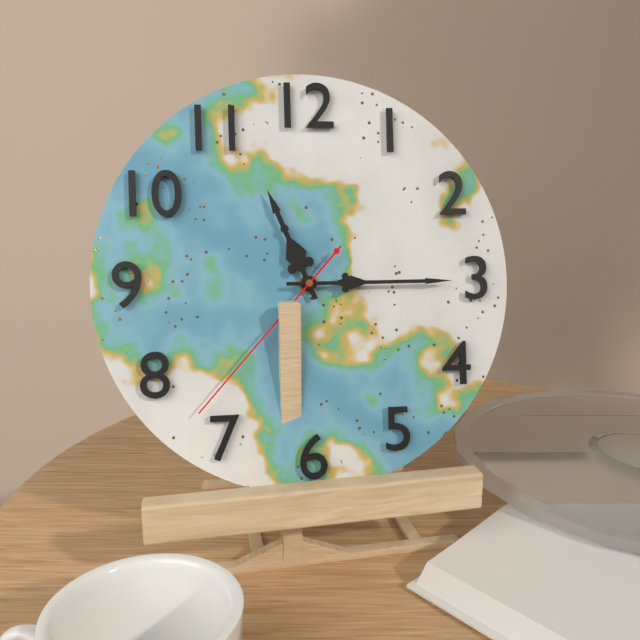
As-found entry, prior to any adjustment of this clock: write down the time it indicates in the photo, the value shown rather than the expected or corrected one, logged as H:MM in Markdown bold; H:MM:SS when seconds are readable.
**11:15:37**
